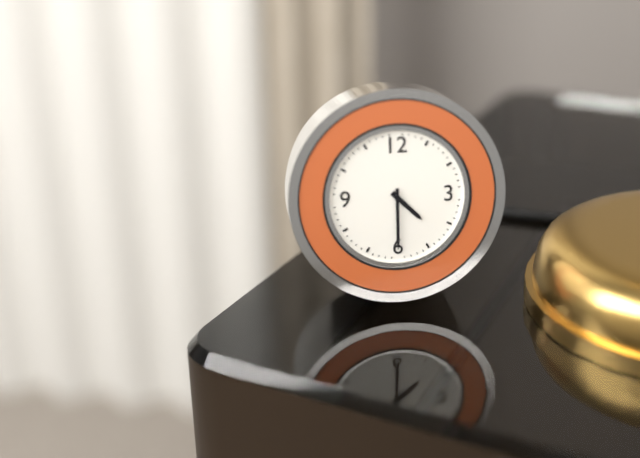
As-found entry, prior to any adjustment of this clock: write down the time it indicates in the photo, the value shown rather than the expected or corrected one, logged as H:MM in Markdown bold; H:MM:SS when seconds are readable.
**4:30**
